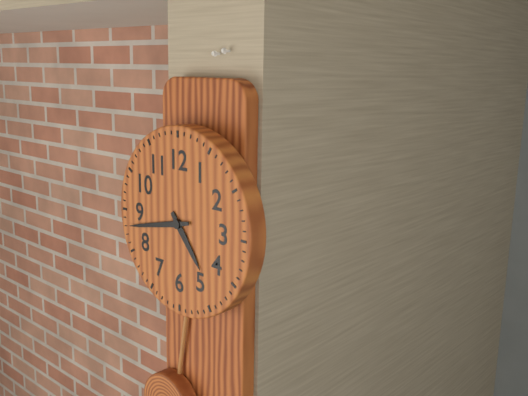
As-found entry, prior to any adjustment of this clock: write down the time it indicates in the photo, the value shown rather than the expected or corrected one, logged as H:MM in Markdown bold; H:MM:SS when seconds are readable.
**4:43**
